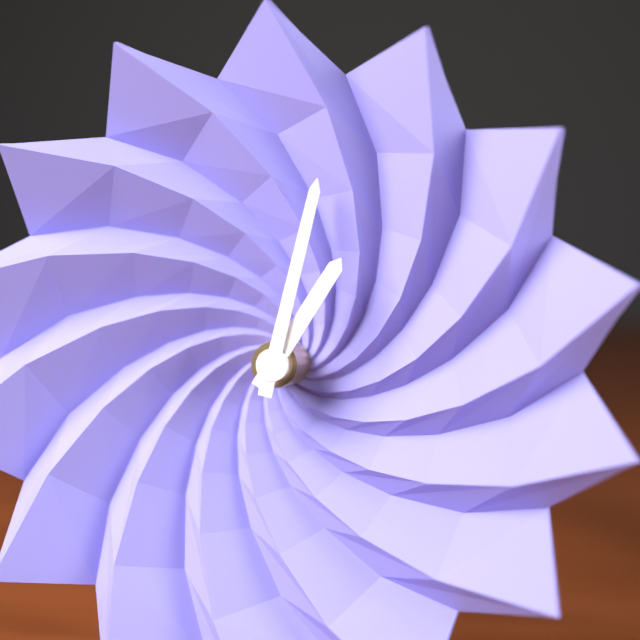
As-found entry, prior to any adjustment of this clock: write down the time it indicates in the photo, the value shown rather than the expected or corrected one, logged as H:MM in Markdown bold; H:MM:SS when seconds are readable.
**1:02**
